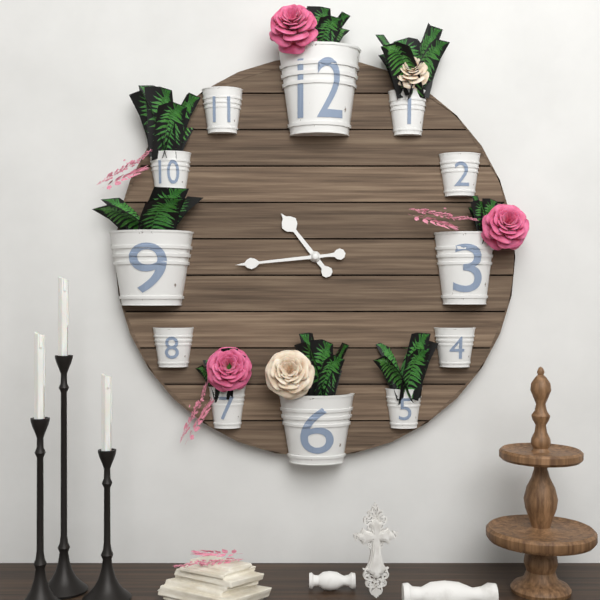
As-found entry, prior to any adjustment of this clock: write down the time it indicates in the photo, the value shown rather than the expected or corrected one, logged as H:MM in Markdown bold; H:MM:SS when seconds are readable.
**10:44**
